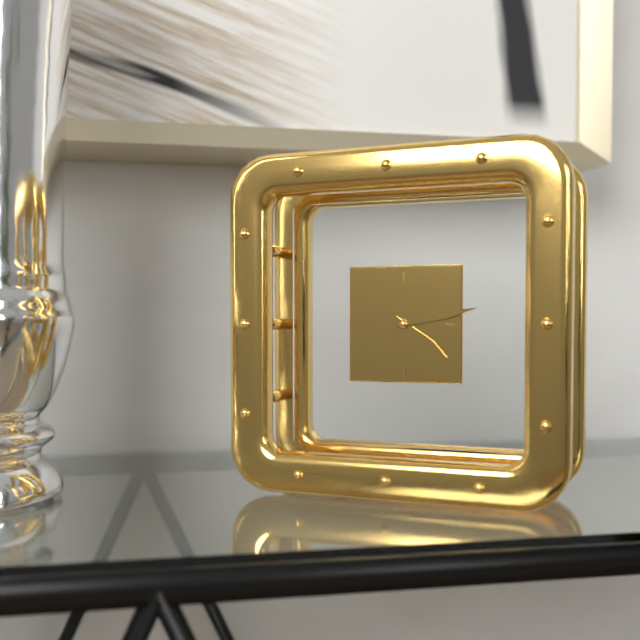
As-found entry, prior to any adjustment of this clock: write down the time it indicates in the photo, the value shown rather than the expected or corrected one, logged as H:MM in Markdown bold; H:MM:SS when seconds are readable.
**4:13**
